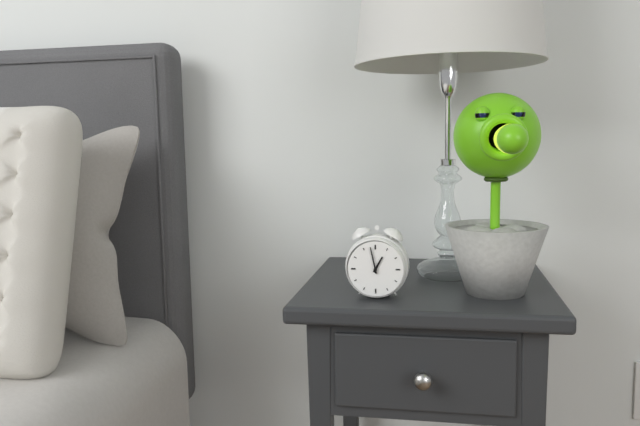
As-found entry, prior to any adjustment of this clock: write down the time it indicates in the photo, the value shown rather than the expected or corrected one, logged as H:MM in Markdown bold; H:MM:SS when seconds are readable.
**12:58**
